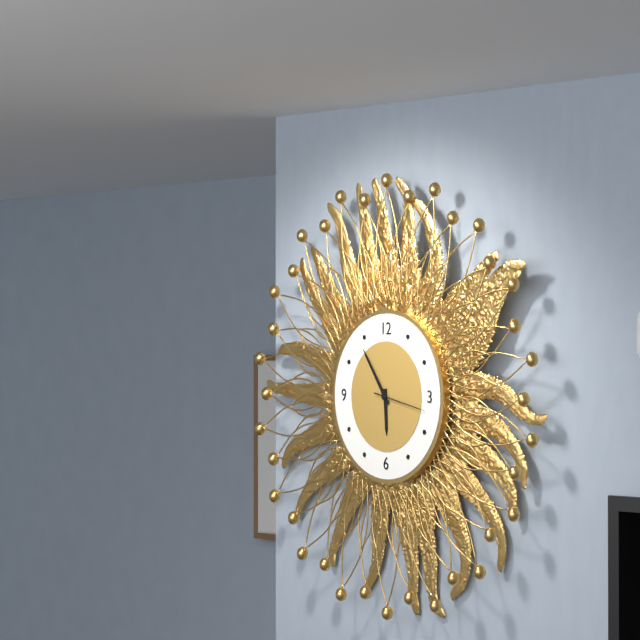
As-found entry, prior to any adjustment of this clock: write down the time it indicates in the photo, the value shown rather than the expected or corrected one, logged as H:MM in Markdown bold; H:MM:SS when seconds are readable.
**5:54:17**
